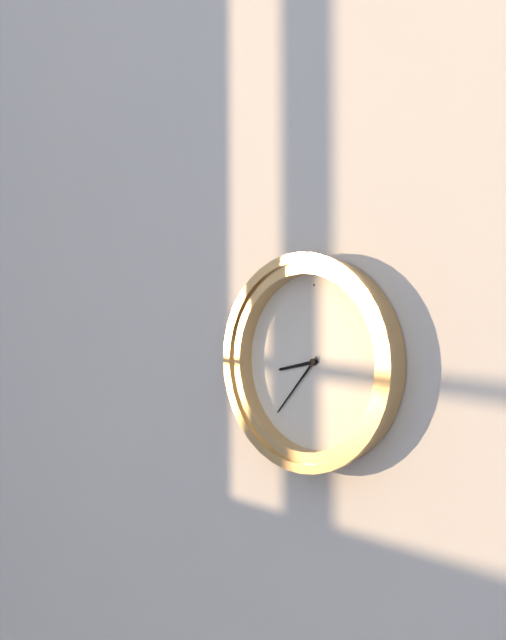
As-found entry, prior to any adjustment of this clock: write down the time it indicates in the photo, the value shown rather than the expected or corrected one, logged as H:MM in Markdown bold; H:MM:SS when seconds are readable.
**8:37**
